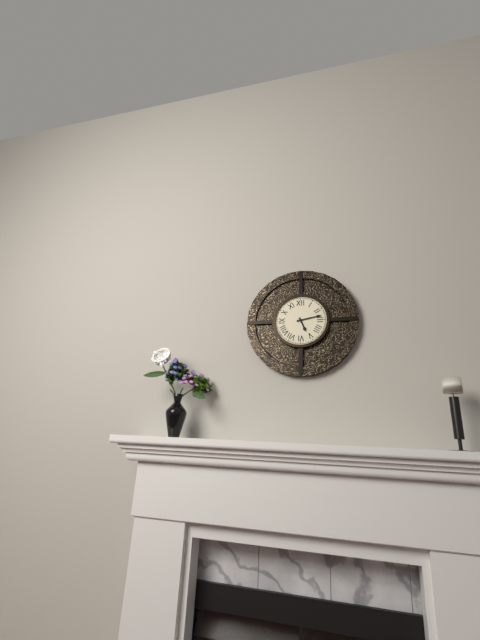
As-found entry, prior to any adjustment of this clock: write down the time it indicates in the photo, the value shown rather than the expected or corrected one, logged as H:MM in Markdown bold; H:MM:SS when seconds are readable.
**5:13**
